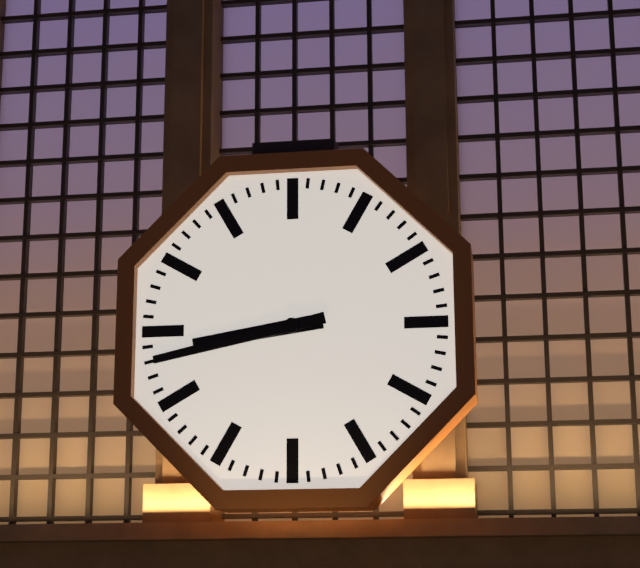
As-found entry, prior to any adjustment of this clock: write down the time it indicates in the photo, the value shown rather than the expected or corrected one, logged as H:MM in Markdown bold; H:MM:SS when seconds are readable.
**8:43**
